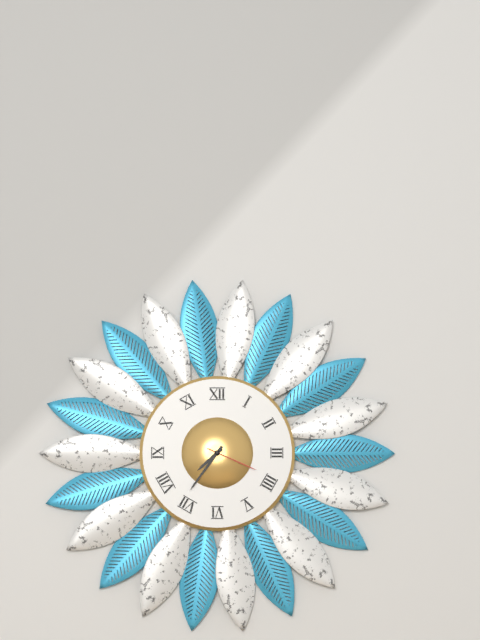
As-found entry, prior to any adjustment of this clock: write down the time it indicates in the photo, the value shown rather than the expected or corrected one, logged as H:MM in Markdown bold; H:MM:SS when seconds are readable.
**7:36:19**
